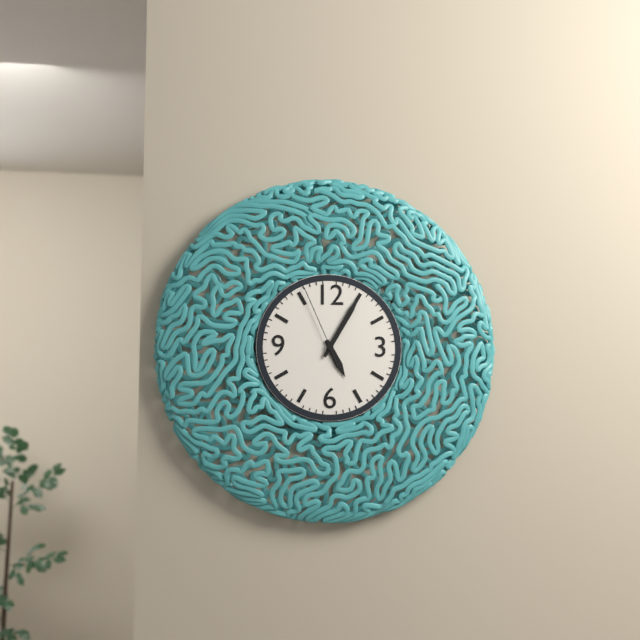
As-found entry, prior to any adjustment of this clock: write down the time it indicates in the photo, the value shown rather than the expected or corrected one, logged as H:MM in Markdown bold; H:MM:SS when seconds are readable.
**5:05:56**
